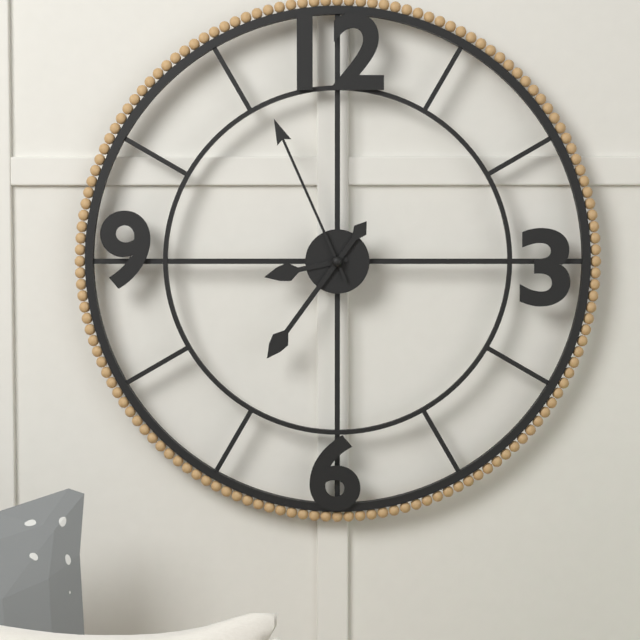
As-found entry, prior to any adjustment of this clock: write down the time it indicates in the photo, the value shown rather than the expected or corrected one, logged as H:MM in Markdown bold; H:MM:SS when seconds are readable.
**8:36:56**
